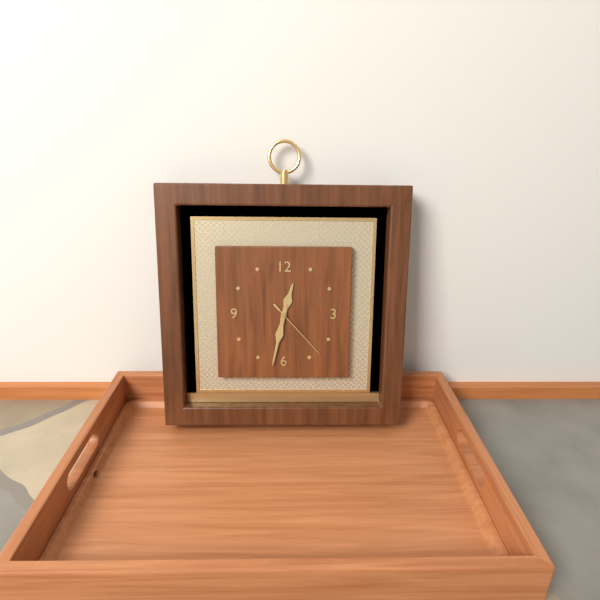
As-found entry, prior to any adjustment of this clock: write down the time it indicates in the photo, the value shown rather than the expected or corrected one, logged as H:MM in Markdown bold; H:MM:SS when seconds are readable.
**12:32:23**
